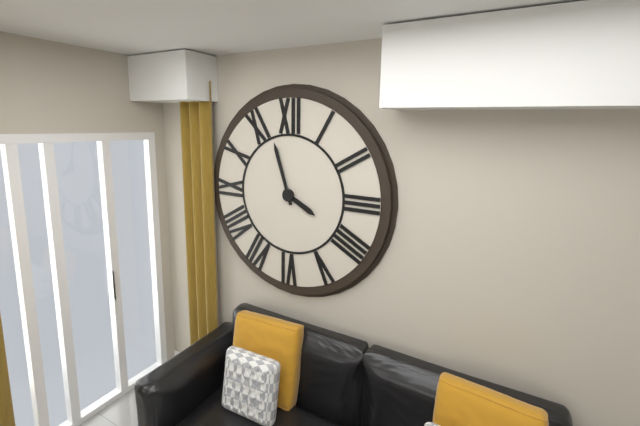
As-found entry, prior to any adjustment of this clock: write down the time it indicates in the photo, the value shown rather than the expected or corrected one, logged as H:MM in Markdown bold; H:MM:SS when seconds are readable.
**3:57**
